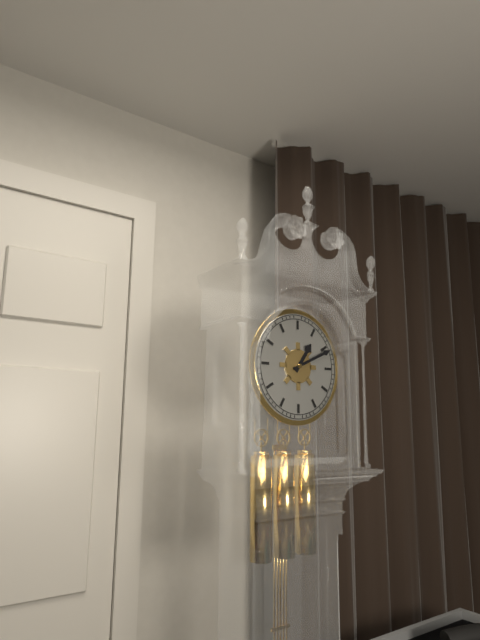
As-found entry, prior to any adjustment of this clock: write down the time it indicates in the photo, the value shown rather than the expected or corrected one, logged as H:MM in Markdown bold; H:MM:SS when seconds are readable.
**1:11**
